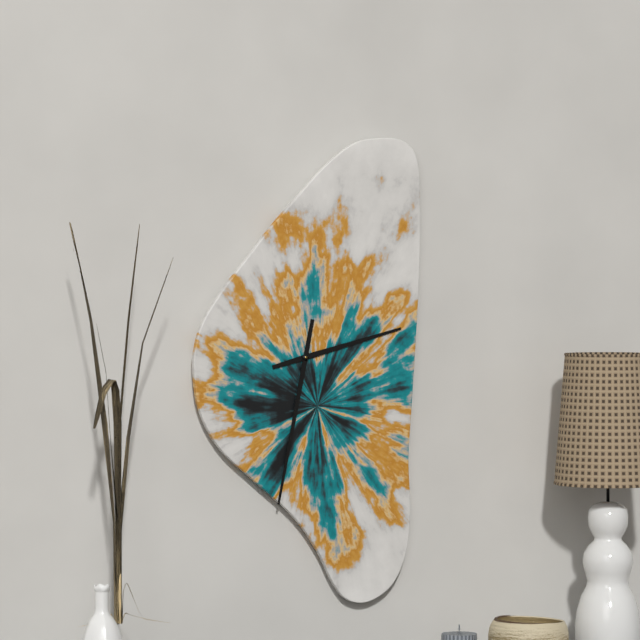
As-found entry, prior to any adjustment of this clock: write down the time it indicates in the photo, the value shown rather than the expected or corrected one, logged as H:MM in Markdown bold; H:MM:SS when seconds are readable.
**2:32**
